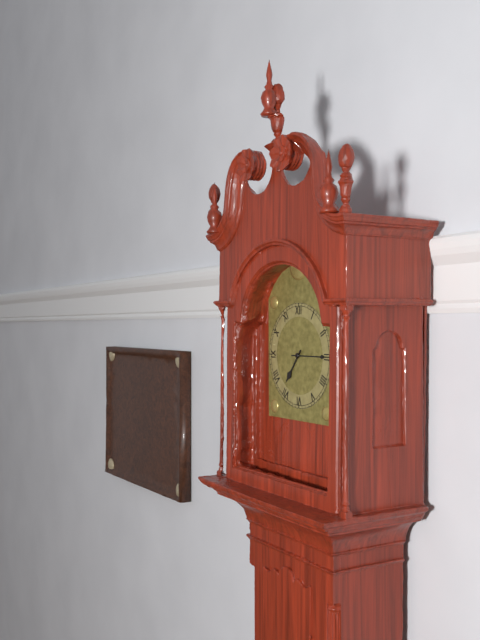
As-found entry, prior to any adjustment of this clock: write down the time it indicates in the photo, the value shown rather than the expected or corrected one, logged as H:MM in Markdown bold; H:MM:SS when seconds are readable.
**7:15**
